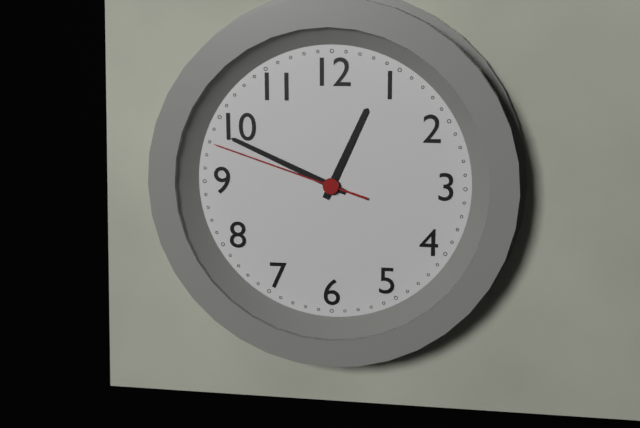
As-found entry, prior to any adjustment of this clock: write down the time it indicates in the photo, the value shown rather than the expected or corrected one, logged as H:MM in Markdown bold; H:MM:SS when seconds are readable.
**12:49:48**
